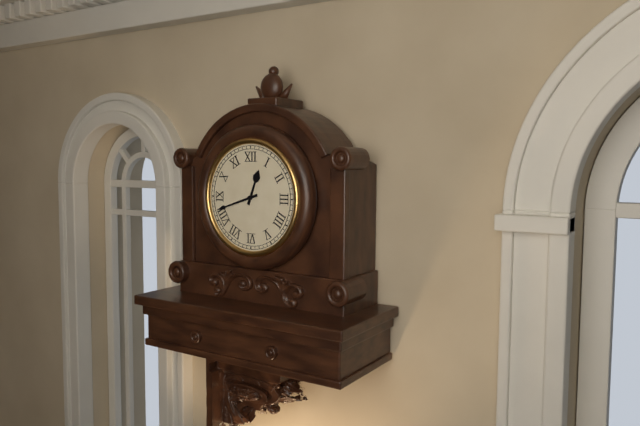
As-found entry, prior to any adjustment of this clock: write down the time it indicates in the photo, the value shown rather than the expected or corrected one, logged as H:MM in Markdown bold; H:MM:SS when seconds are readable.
**12:42**
